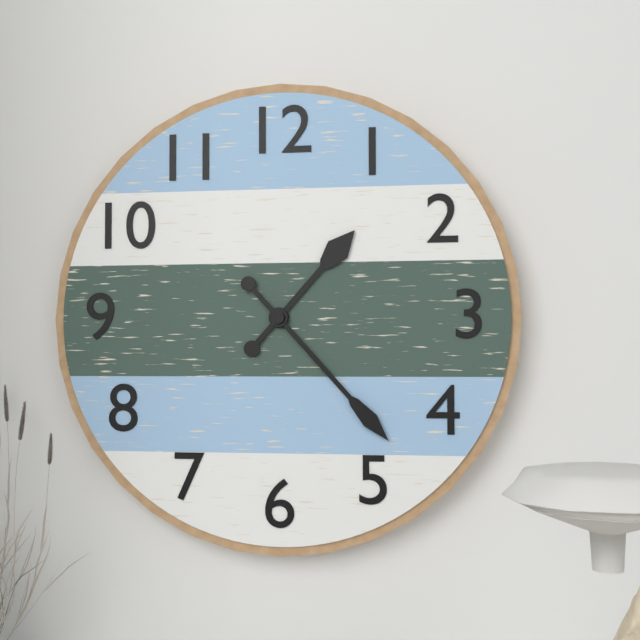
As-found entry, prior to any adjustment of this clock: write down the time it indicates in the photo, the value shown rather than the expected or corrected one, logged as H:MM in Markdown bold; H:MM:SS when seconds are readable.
**1:23**
